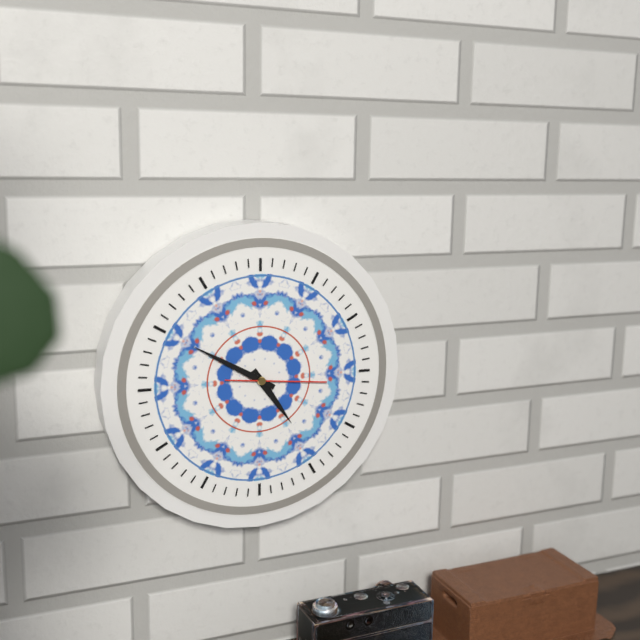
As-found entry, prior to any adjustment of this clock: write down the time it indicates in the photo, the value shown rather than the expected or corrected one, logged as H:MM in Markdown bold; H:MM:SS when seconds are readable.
**4:50:16**
